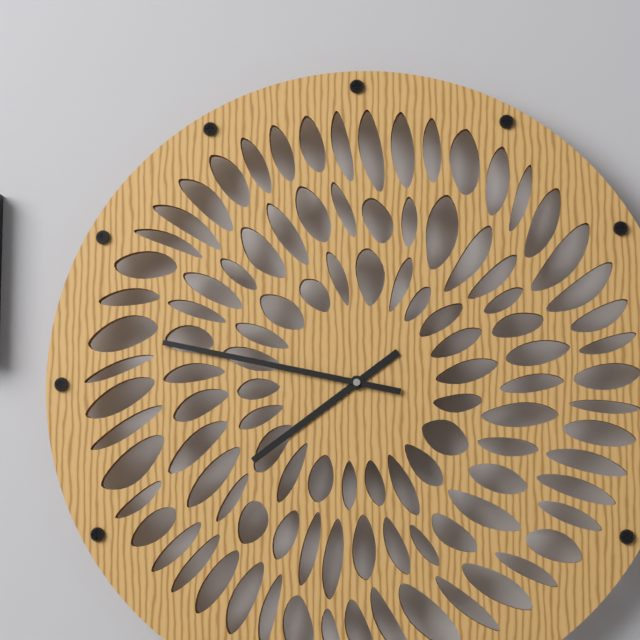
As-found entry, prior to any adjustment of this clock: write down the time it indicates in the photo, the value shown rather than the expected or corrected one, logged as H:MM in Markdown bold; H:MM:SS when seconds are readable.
**7:47**
